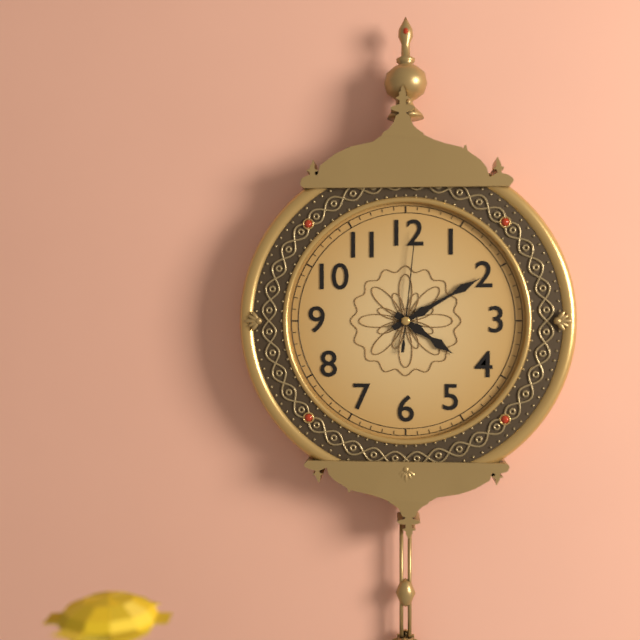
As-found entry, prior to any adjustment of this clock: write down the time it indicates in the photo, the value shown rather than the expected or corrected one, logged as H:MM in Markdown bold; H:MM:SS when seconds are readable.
**4:10:01**
